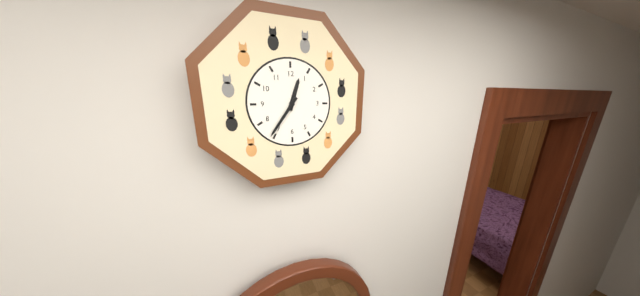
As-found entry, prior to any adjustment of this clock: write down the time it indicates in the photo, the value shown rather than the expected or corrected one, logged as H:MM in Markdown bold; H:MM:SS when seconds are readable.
**12:36**
